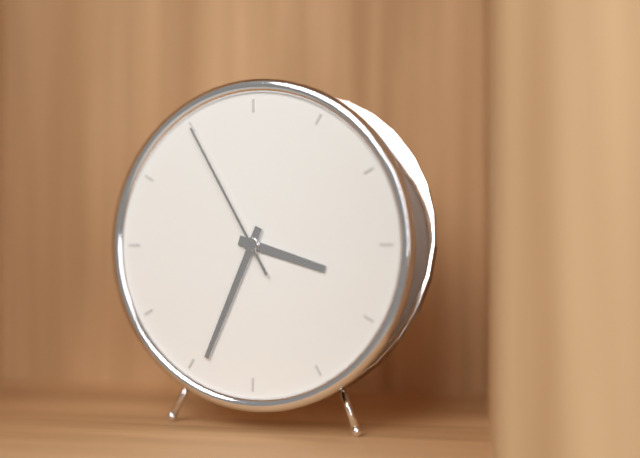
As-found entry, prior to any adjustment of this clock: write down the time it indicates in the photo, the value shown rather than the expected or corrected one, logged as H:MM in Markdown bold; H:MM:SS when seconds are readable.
**3:34:55**
